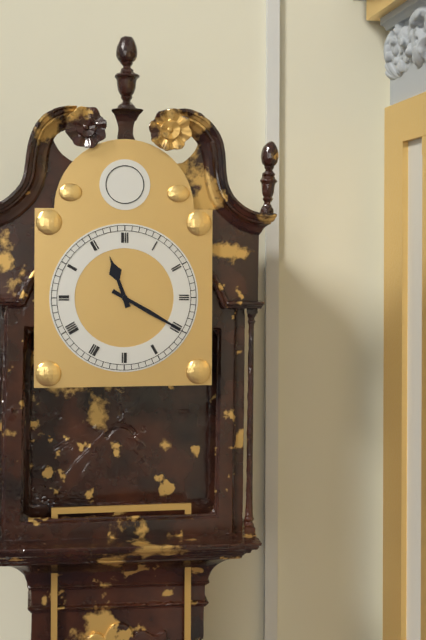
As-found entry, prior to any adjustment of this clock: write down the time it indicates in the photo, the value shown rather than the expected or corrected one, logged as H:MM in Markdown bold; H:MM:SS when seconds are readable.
**11:20**
